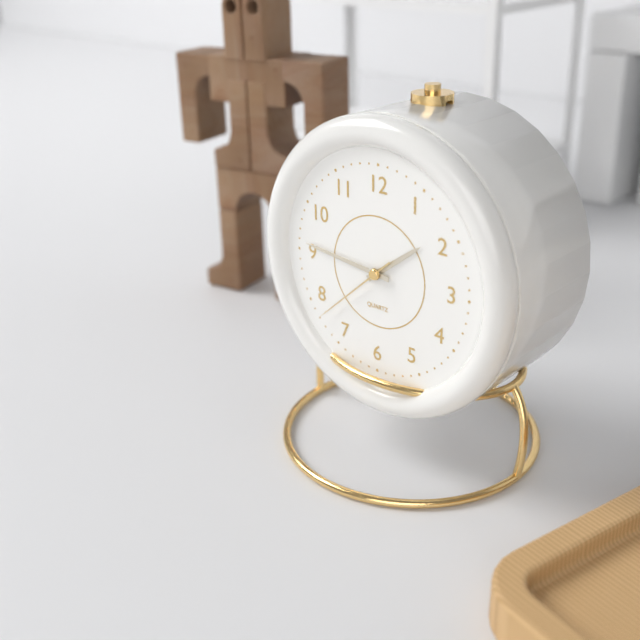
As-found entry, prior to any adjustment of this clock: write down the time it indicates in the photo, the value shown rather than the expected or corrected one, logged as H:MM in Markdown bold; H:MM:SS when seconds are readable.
**1:46:38**
